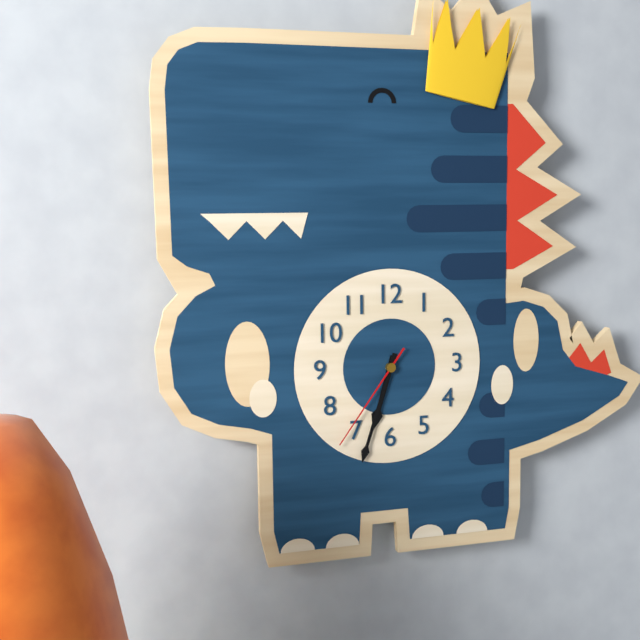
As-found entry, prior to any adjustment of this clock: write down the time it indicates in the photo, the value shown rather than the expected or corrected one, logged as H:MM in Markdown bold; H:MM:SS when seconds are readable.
**6:33:36**
